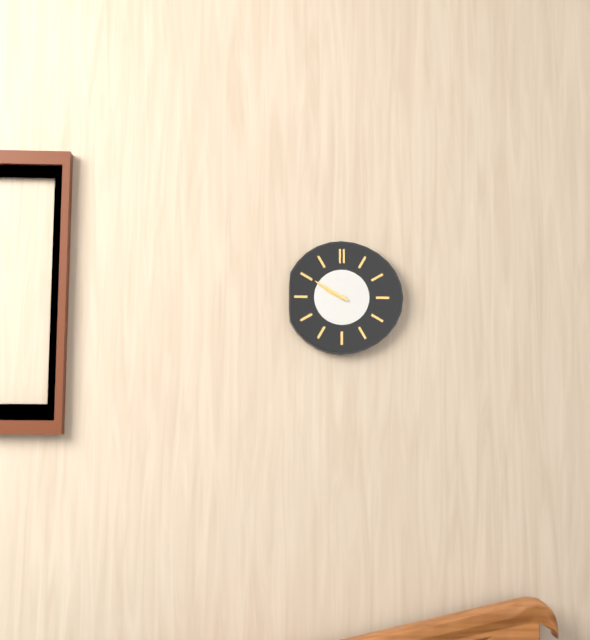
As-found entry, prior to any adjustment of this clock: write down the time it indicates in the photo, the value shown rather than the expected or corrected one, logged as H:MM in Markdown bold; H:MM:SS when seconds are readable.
**9:50**
